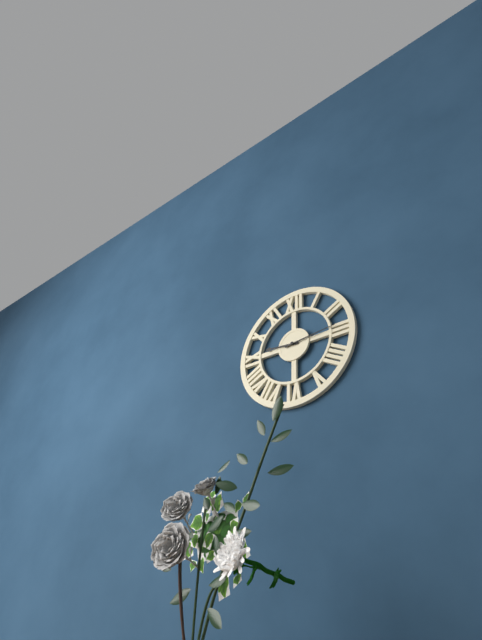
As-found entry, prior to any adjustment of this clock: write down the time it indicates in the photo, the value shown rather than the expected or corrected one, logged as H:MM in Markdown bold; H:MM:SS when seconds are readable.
**9:14**
